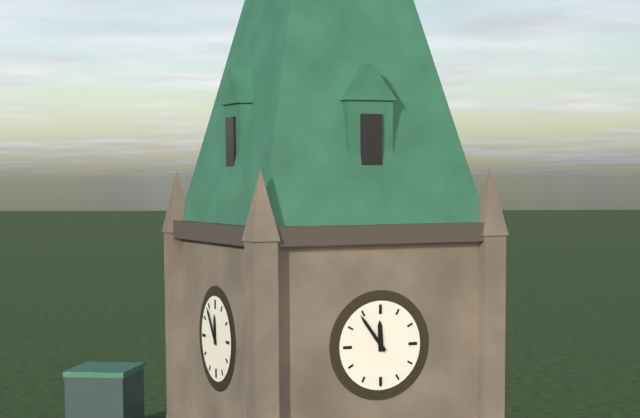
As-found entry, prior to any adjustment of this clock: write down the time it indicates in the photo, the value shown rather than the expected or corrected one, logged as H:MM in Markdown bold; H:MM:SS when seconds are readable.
**11:54**
